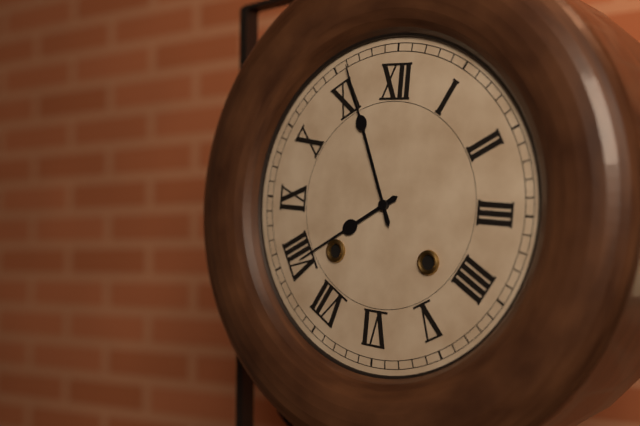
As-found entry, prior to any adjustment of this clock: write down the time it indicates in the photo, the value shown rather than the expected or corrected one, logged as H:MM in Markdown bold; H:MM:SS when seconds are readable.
**7:56**
